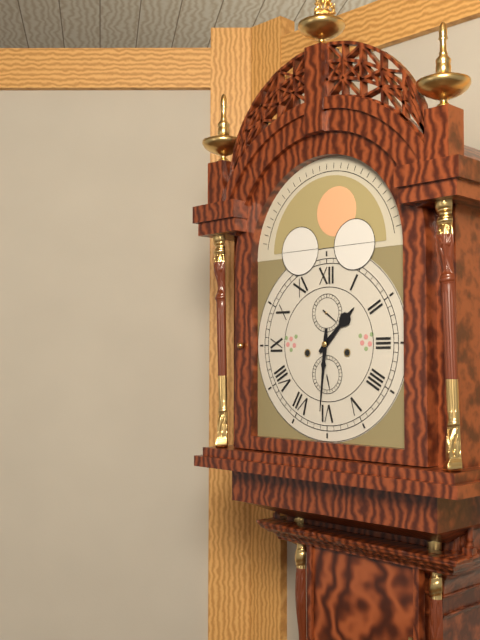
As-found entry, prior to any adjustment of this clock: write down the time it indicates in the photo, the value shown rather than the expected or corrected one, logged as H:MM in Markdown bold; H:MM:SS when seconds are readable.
**1:31**
